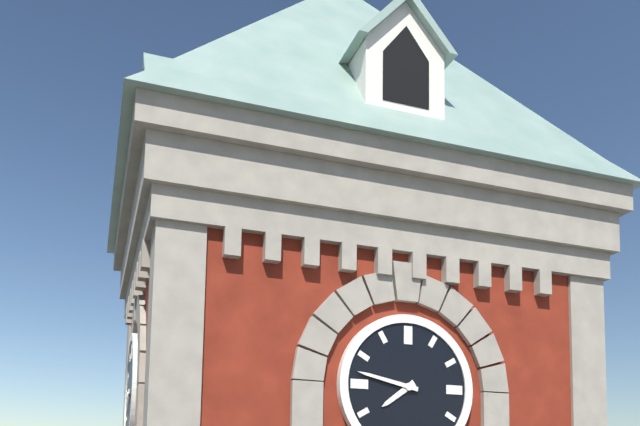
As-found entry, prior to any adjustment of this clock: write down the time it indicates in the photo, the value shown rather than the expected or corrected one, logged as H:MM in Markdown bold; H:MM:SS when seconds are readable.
**7:47**
